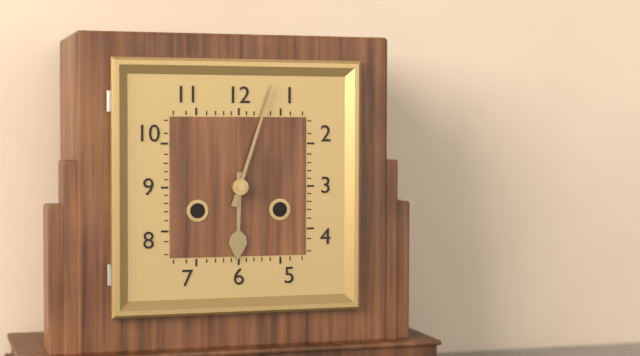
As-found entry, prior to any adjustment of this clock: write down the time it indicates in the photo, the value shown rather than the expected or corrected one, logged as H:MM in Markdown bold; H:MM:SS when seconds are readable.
**6:03**
